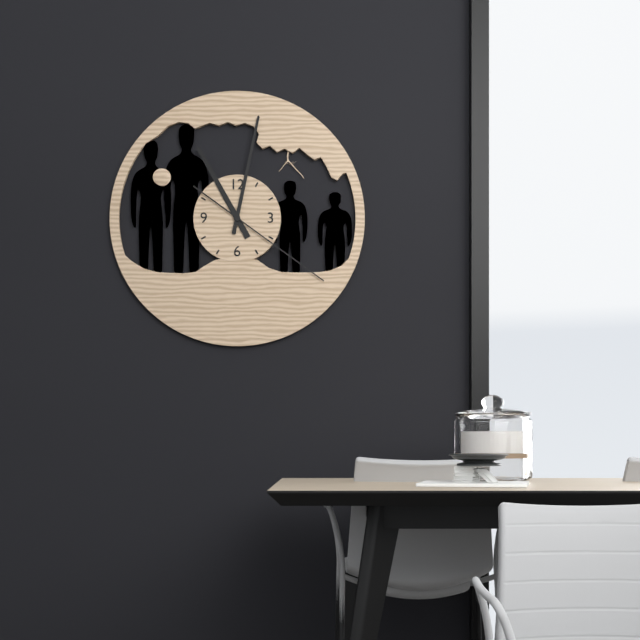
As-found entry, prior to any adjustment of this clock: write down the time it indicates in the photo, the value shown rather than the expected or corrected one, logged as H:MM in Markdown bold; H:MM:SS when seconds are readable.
**11:02:21**
